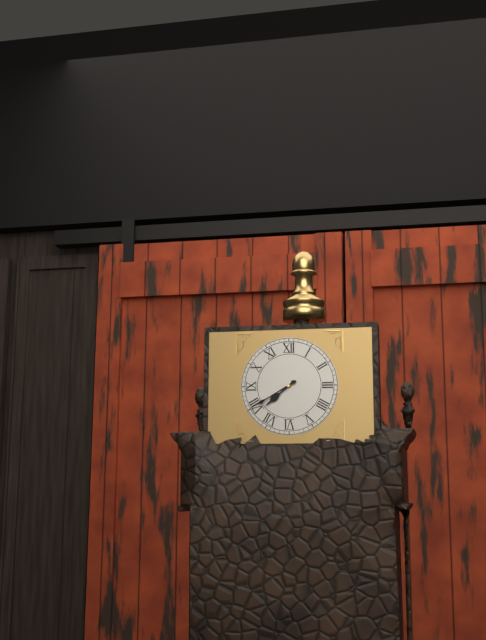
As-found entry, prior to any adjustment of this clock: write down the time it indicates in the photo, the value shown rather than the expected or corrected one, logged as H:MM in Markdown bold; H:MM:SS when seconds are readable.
**7:40**
